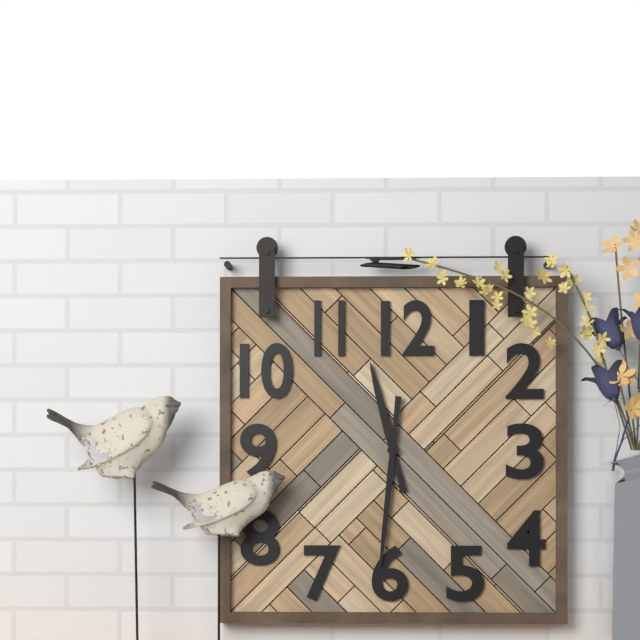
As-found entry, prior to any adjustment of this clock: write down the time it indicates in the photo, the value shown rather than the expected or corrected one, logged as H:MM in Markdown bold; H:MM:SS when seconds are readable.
**11:31**
